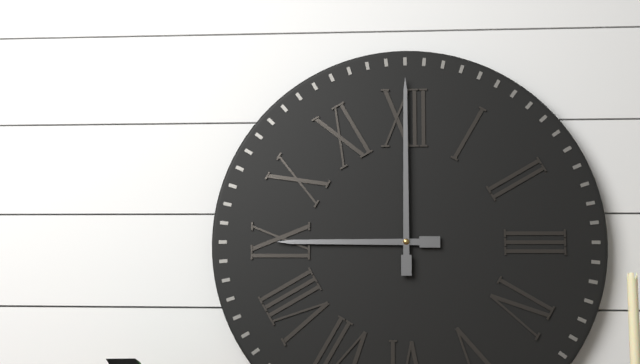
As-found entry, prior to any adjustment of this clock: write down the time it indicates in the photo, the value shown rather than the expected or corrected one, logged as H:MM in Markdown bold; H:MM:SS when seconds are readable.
**9:00**
